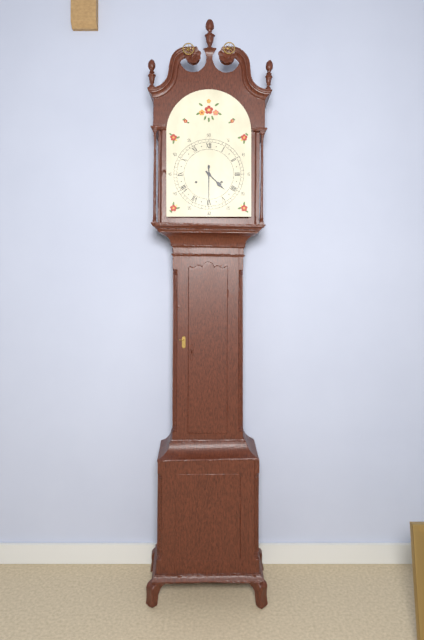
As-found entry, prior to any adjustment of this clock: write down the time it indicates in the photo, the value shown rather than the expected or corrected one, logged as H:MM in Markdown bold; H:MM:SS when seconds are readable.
**4:30**
